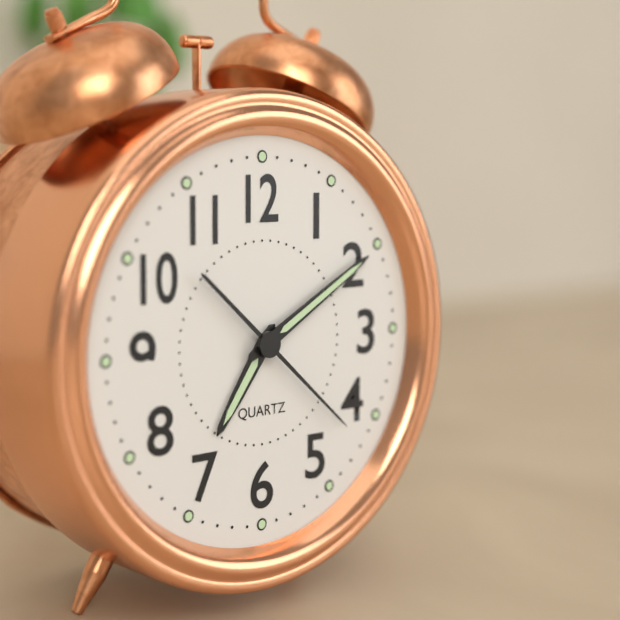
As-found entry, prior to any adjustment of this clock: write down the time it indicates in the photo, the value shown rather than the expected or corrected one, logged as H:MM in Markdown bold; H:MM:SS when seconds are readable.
**7:10:22**
